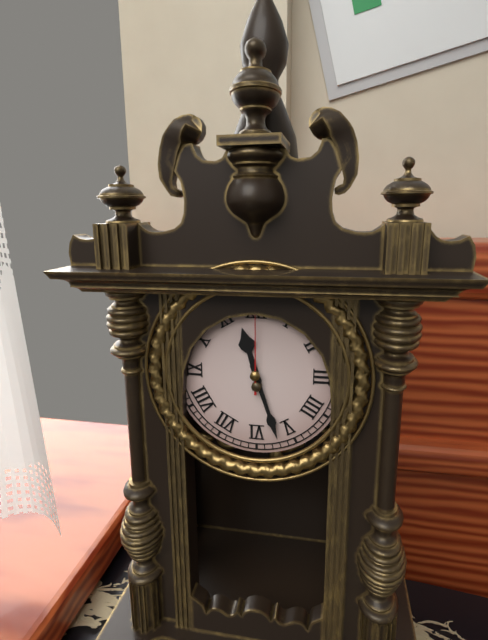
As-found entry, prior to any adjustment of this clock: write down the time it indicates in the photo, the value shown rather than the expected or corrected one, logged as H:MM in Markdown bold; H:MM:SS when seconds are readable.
**11:27:00**
